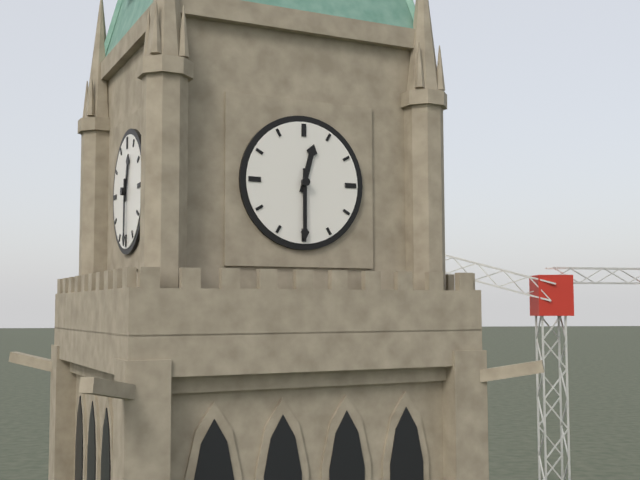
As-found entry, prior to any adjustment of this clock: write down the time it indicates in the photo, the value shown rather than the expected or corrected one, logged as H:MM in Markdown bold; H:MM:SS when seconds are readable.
**12:30**
